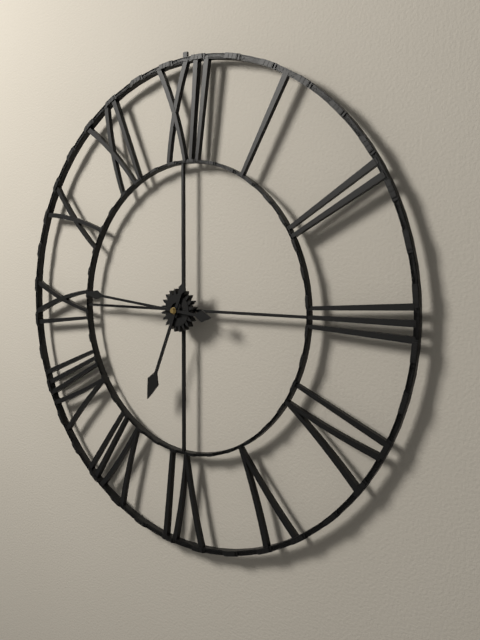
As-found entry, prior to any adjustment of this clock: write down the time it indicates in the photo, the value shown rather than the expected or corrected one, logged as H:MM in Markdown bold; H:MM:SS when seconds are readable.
**6:46**
